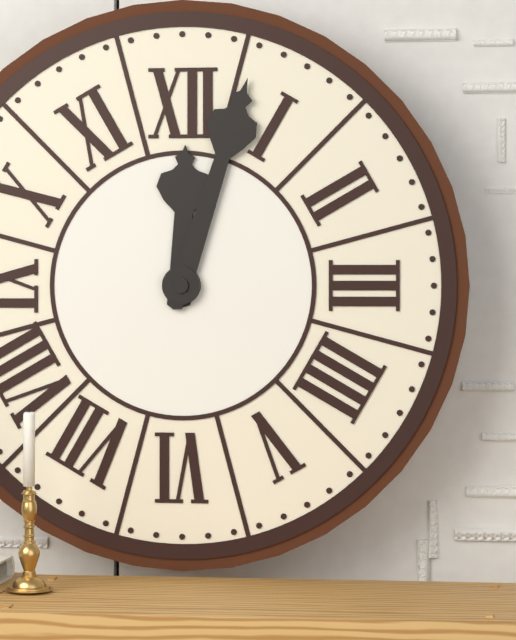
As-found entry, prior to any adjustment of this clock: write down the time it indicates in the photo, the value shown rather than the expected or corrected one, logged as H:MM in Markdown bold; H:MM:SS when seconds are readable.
**12:03**
